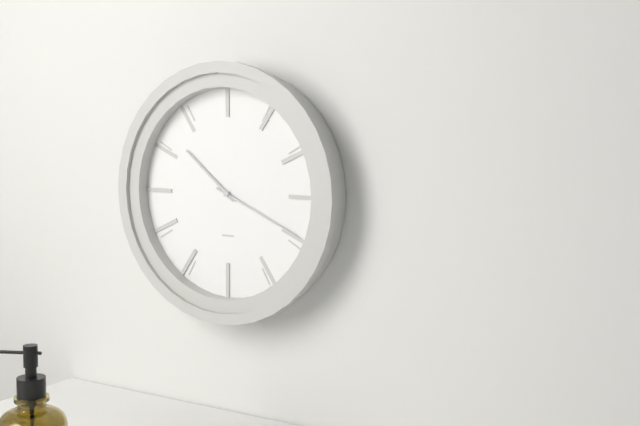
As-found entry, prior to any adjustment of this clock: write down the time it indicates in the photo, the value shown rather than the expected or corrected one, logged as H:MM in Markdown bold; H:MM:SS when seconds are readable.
**10:19**
